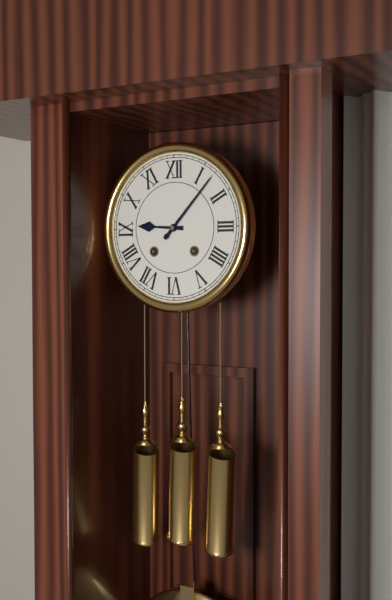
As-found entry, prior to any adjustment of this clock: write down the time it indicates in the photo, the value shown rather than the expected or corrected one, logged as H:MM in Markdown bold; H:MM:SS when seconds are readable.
**9:07**
